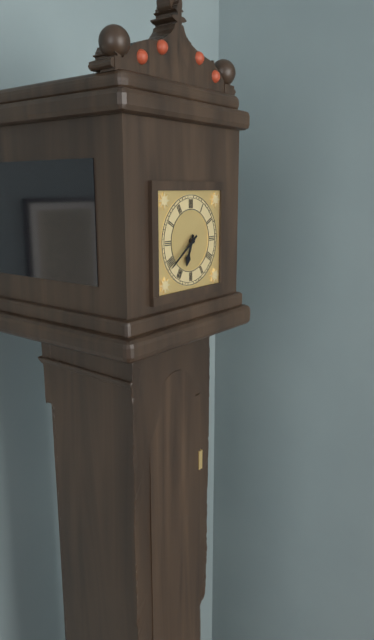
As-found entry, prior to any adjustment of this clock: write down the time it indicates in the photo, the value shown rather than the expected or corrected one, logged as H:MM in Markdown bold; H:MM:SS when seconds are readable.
**6:39**
